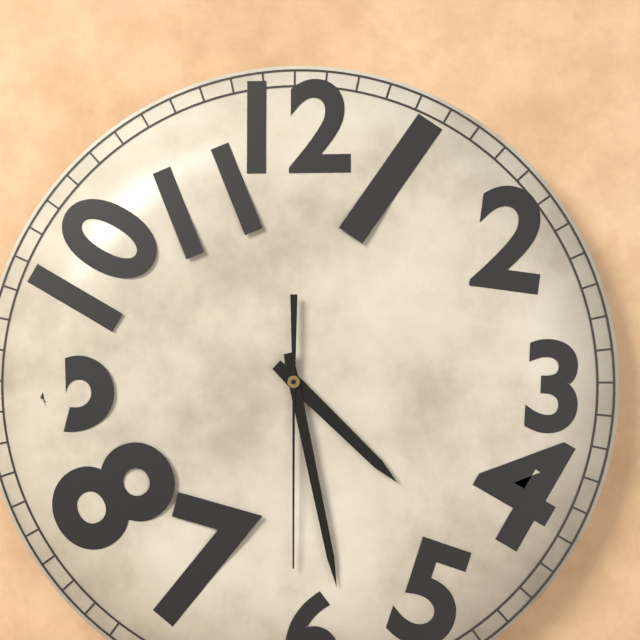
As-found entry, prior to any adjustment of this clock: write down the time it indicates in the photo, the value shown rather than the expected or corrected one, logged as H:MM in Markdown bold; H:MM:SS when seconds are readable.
**4:28:30**
